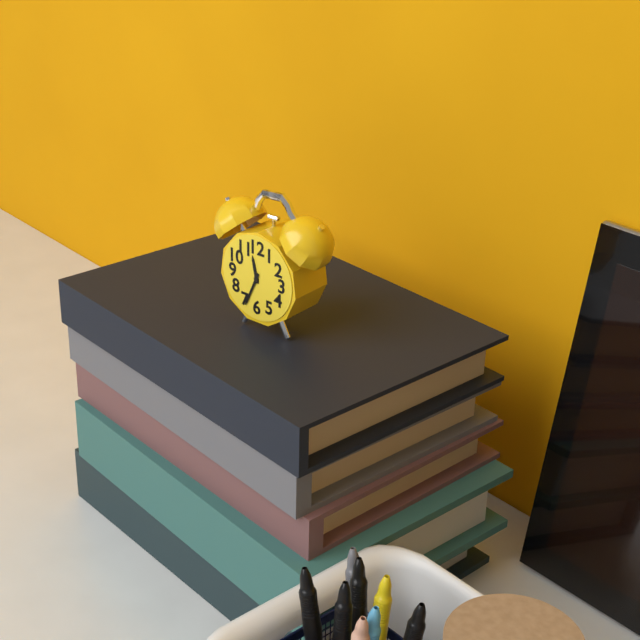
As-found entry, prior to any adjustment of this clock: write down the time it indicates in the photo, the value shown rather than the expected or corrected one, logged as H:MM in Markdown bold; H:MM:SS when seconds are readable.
**11:34**
